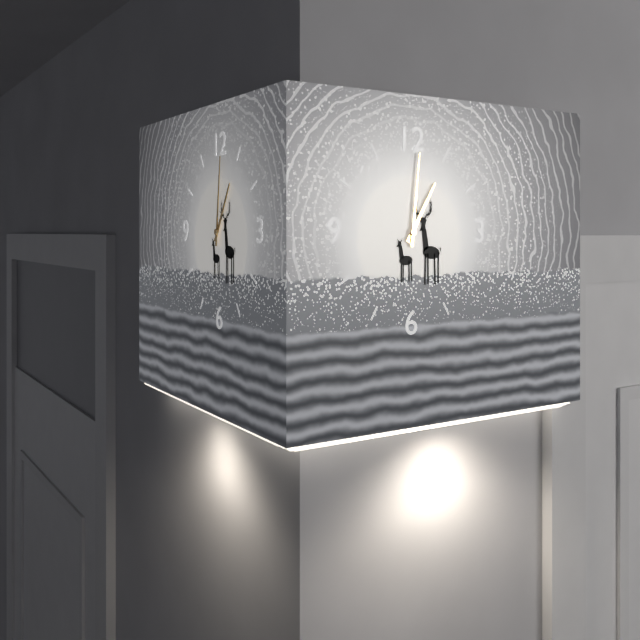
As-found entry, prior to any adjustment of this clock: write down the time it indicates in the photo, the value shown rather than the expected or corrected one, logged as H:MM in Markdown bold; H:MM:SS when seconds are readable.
**1:01**
